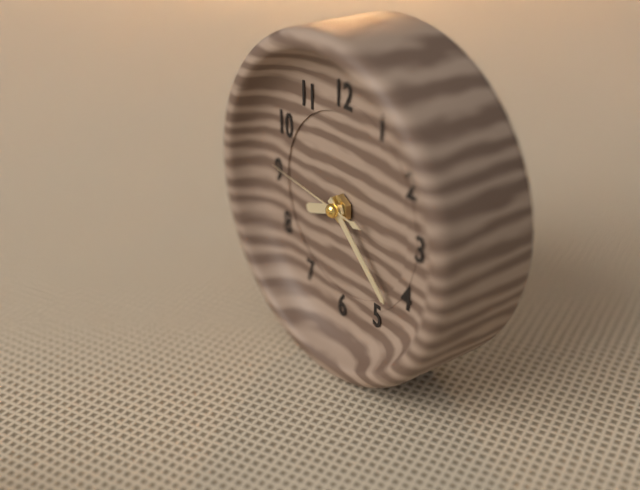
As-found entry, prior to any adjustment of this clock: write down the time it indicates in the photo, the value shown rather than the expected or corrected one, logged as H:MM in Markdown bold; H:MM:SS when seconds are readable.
**8:22:46**
